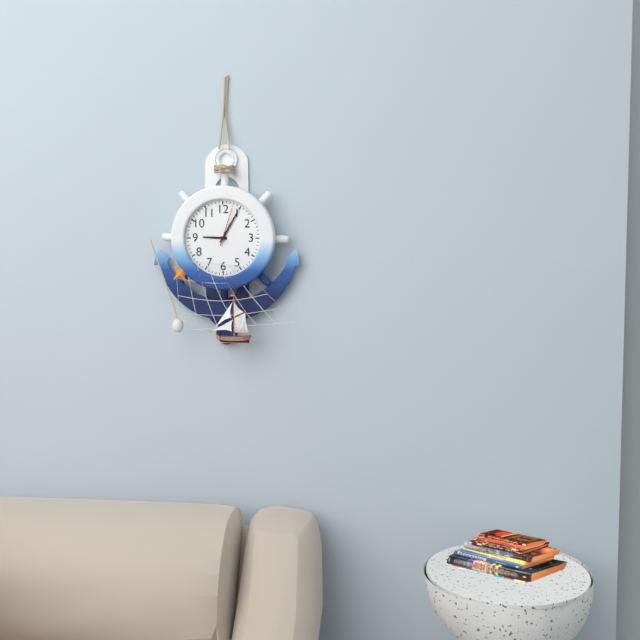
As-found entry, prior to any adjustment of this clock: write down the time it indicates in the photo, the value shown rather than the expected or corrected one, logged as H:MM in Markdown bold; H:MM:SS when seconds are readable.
**9:05**
